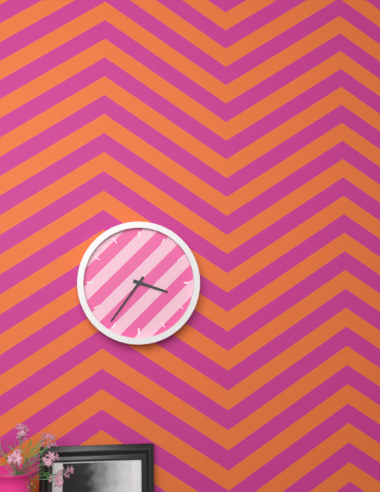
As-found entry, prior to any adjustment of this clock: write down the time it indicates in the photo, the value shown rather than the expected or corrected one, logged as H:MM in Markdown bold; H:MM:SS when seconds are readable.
**3:36**
